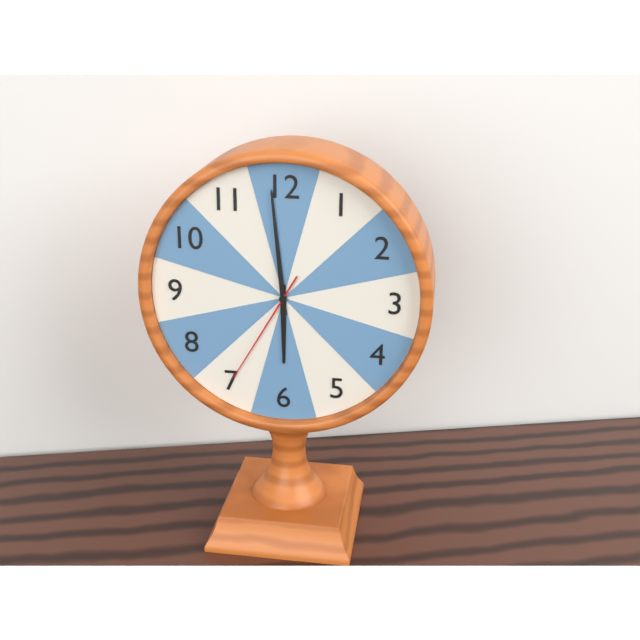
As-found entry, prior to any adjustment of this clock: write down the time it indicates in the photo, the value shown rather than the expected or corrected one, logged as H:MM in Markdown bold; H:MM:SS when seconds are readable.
**5:59:35**
